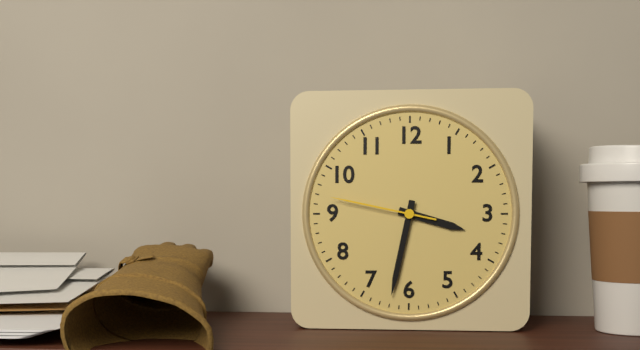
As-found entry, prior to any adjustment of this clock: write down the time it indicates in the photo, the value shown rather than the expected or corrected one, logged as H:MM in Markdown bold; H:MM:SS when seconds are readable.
**3:32:47**
